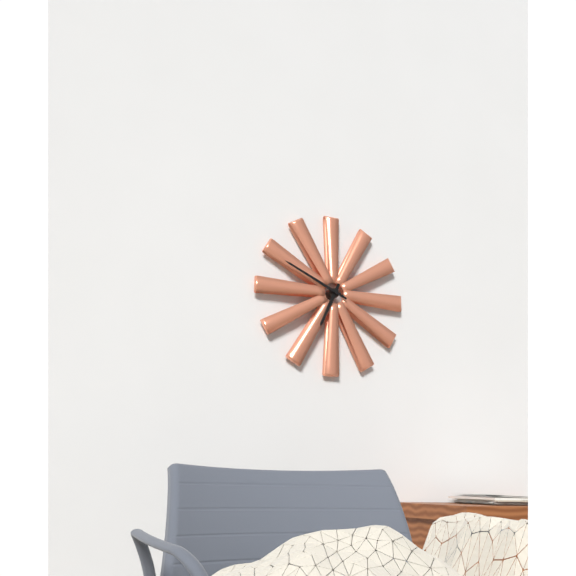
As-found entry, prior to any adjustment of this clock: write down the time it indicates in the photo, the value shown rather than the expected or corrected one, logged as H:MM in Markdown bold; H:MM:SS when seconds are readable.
**6:49**
